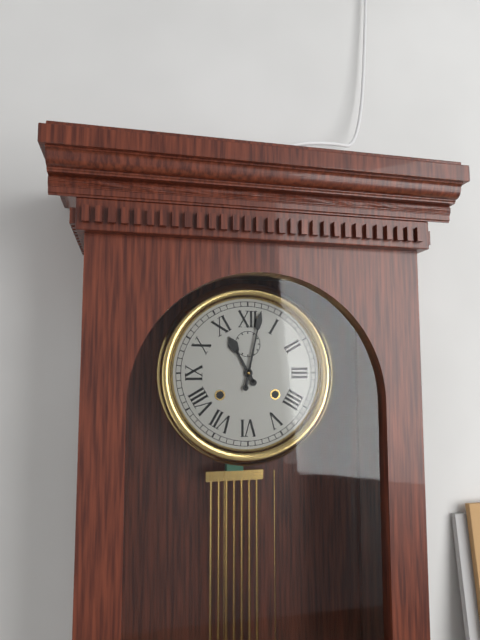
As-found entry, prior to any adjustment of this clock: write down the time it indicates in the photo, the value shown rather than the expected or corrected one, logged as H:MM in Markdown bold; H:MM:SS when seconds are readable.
**11:02**
